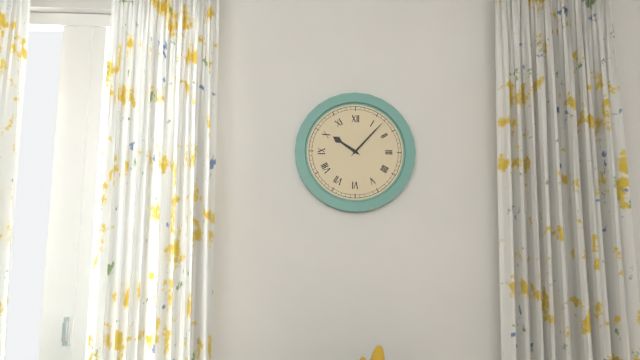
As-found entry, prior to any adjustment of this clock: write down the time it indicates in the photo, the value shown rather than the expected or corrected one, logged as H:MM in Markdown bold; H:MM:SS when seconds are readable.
**10:07**
